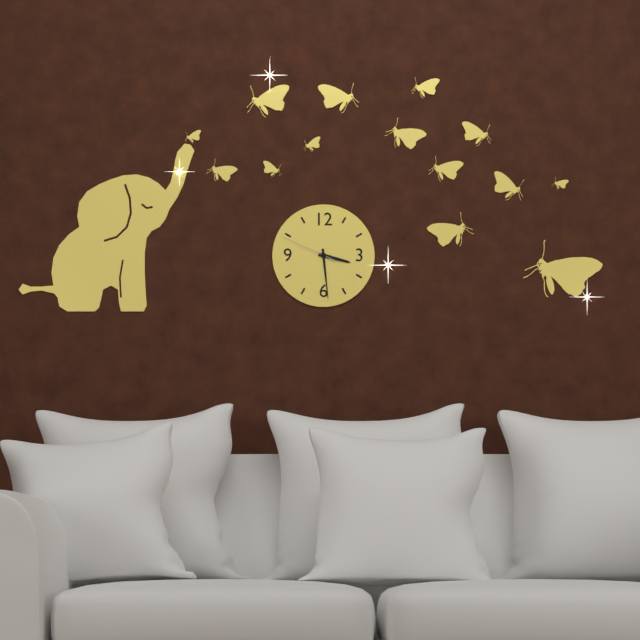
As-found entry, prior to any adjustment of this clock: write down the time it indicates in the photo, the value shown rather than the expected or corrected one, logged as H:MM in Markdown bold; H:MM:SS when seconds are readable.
**3:29:49**
